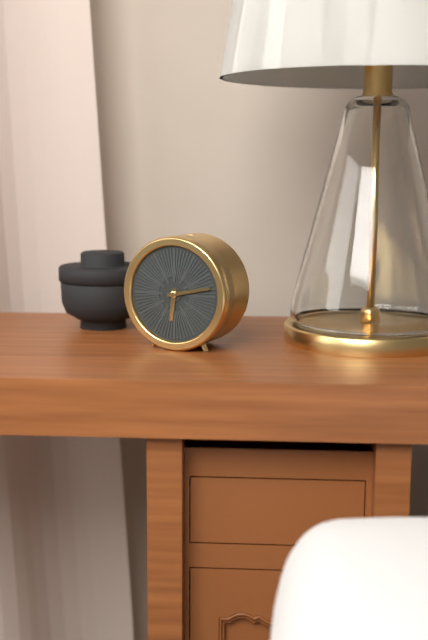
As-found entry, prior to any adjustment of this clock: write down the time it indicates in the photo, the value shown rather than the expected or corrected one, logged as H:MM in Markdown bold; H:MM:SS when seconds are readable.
**6:13**
